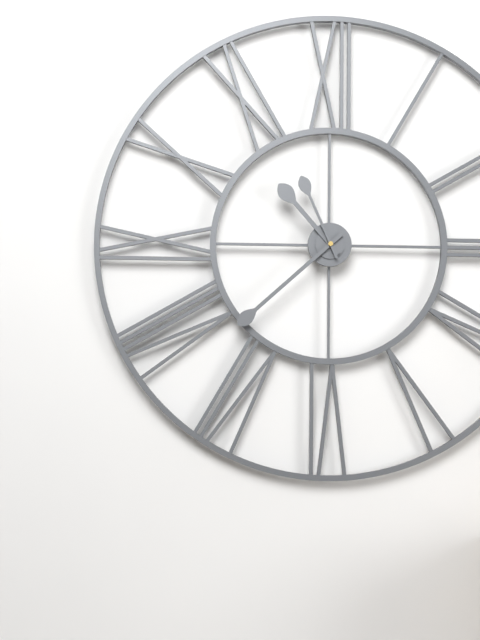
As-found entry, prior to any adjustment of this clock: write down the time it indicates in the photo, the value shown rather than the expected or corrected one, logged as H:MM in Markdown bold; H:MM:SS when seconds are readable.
**10:38:56**
